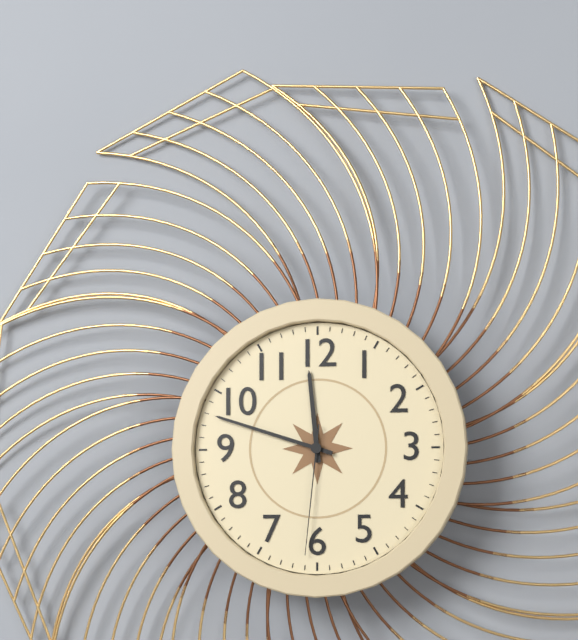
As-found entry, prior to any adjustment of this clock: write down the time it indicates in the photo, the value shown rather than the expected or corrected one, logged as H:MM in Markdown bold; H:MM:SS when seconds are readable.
**11:48:31**
